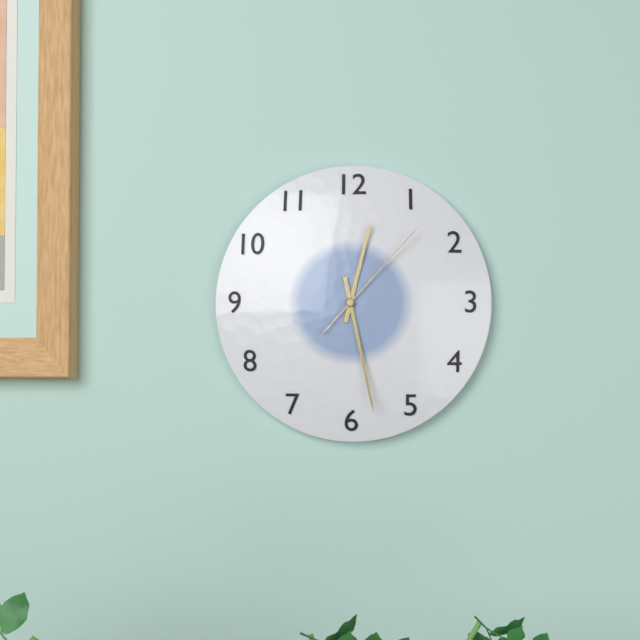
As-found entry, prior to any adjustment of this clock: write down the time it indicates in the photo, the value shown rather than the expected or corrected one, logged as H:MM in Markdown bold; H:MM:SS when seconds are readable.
**12:28:07**
